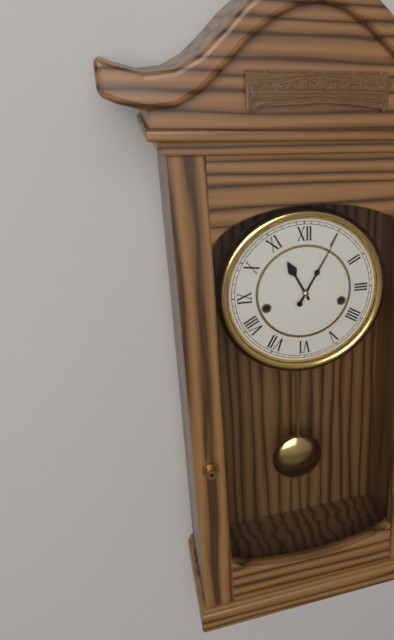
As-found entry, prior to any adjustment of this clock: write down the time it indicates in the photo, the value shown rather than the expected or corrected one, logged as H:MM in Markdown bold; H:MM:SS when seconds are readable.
**11:05**
